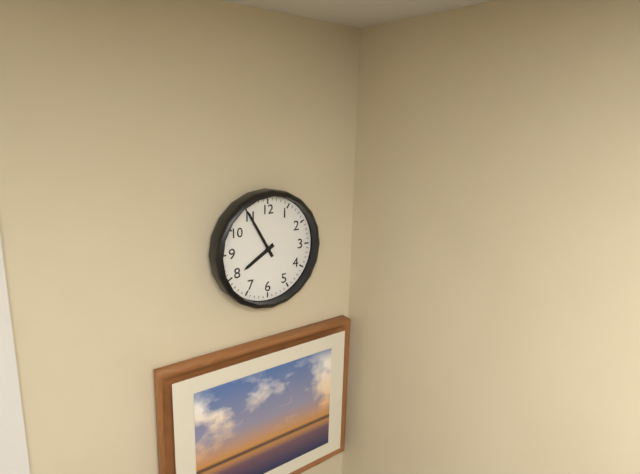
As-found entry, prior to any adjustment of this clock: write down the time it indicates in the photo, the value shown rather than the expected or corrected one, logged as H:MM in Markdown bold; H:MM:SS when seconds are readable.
**7:55**
